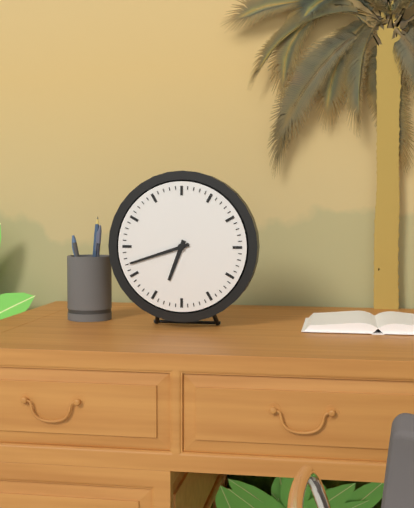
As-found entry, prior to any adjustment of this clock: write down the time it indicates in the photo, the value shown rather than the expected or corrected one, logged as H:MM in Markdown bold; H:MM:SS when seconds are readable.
**6:42**
